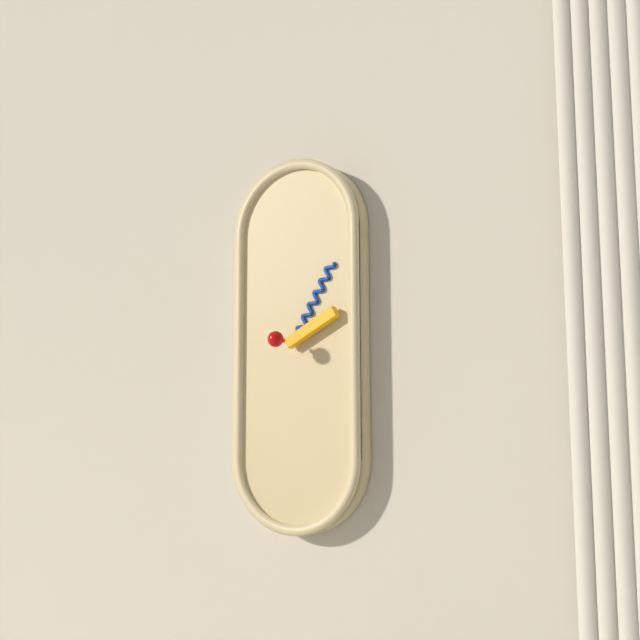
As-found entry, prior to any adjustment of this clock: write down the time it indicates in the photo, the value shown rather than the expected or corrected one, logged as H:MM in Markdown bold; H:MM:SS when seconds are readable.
**2:05**
